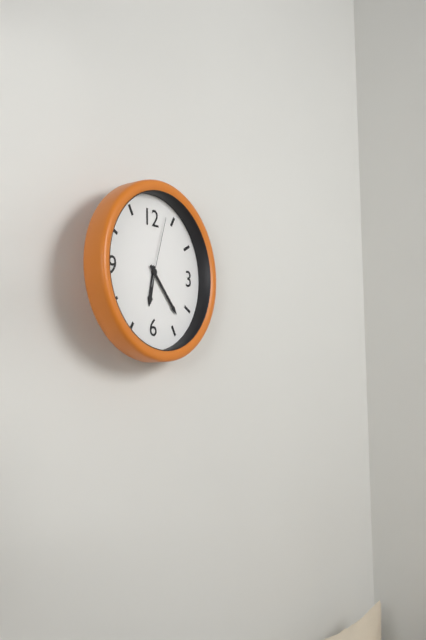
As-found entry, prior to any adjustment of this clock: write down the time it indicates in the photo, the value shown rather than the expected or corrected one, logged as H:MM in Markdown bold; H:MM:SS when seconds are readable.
**6:23:03**
